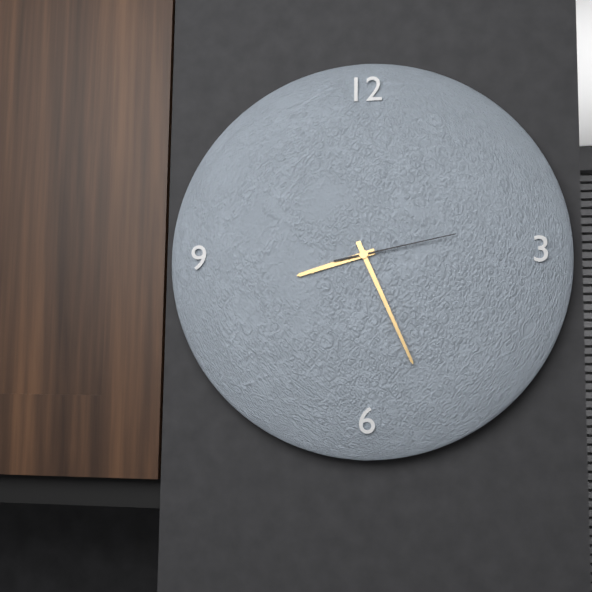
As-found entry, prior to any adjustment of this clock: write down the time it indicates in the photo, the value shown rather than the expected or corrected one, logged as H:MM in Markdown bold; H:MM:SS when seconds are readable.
**8:26:13**
